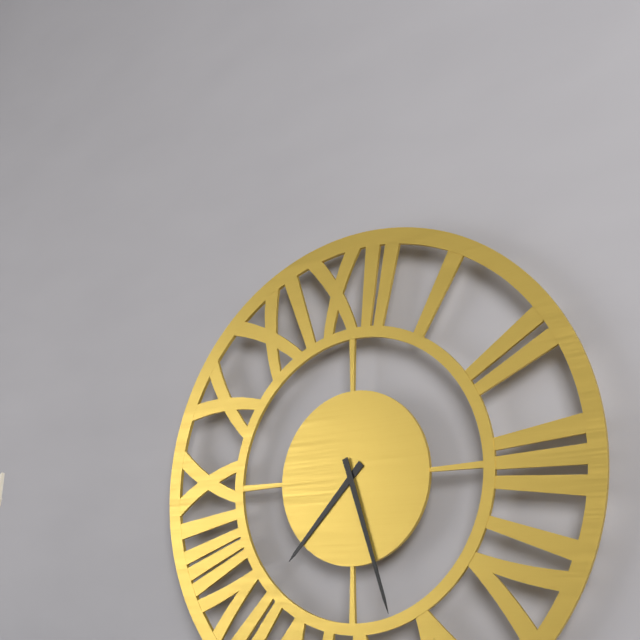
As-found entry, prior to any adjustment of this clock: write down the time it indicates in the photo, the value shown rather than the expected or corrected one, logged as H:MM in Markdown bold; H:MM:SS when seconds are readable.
**7:27**
